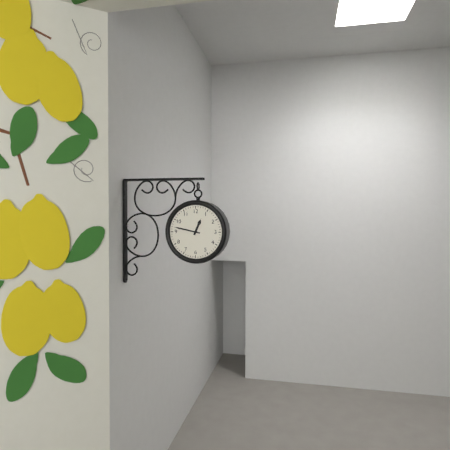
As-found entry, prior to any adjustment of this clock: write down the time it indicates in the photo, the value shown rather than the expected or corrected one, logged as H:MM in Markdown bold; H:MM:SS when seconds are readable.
**12:47**
